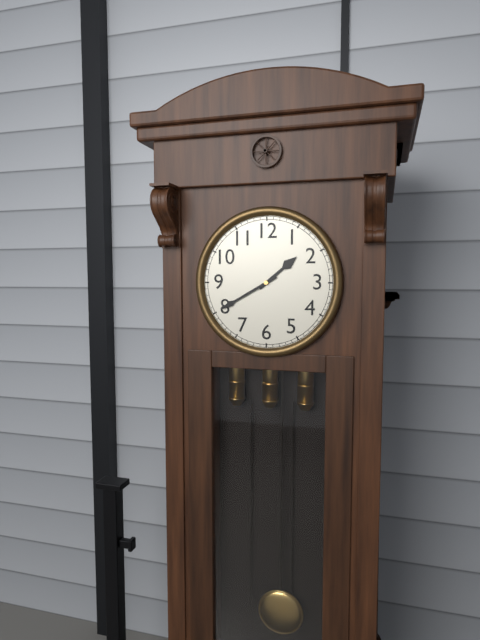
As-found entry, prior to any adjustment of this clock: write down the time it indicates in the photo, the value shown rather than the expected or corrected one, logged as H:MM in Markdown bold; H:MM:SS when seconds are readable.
**1:40**
